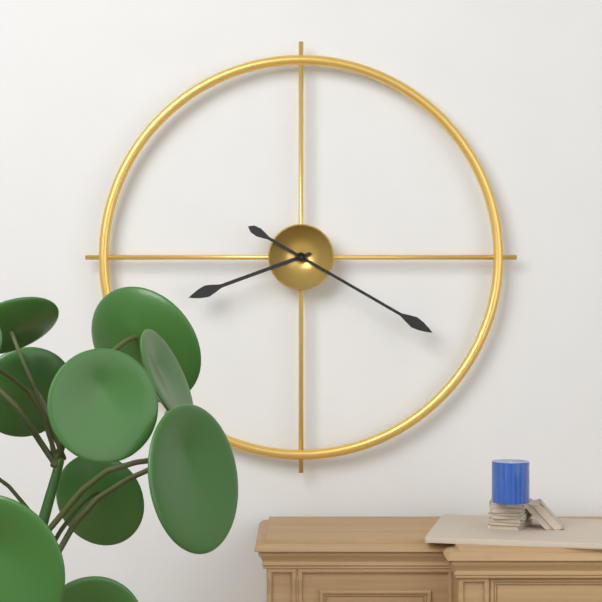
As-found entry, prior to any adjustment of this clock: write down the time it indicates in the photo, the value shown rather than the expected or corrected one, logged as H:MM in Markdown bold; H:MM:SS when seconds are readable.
**8:20**
